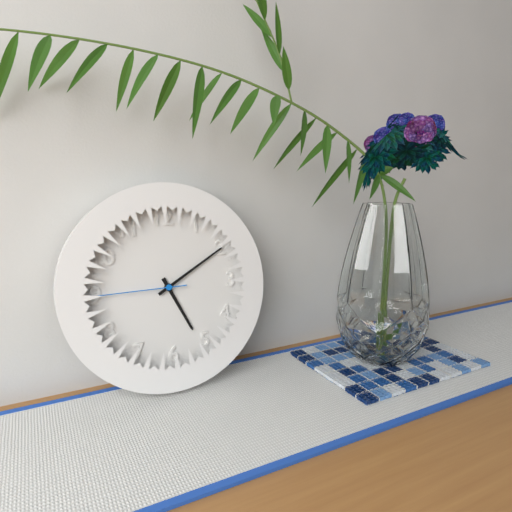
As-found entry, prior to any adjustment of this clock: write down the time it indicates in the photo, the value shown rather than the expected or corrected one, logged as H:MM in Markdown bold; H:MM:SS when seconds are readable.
**5:10:45**
